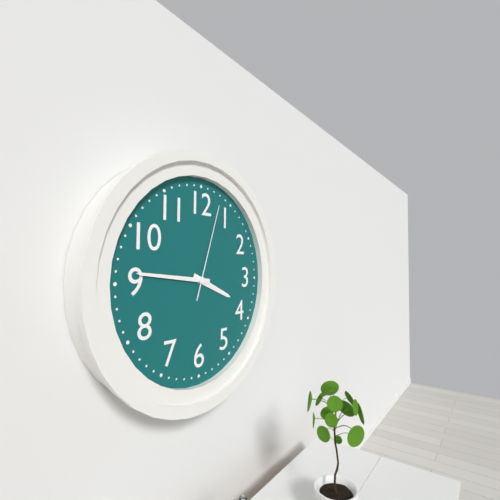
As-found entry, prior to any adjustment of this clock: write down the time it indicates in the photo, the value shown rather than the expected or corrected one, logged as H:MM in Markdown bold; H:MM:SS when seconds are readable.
**3:46:03**
